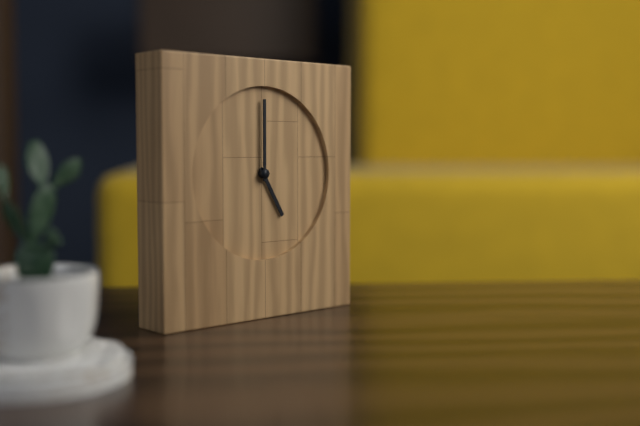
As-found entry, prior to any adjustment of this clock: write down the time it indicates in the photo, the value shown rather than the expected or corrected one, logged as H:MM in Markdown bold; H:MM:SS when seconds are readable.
**5:00**
